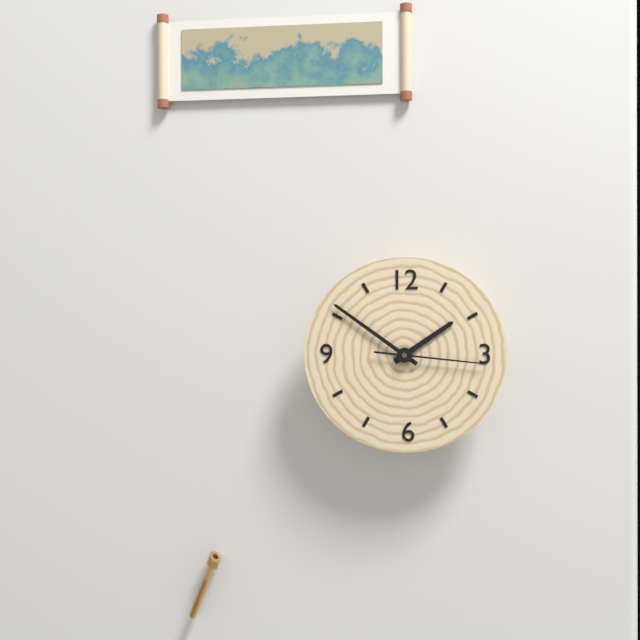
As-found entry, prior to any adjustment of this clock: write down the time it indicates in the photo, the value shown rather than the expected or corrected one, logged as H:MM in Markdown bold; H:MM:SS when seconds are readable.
**1:51:16**
